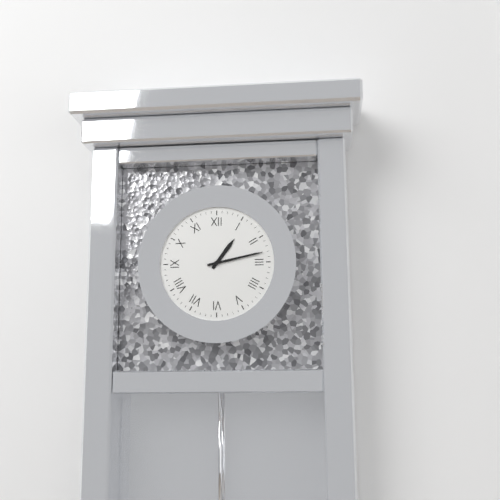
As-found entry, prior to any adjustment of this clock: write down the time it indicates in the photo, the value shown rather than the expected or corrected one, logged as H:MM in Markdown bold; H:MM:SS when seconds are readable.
**1:13**
